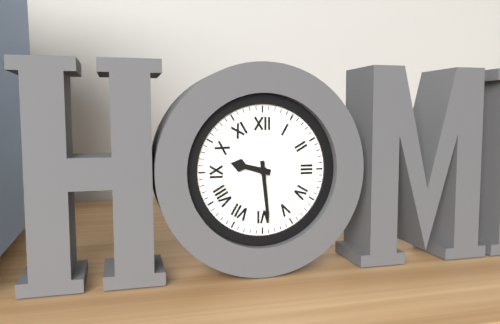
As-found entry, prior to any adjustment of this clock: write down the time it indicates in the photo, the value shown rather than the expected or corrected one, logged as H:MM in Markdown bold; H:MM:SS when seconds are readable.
**9:29**
